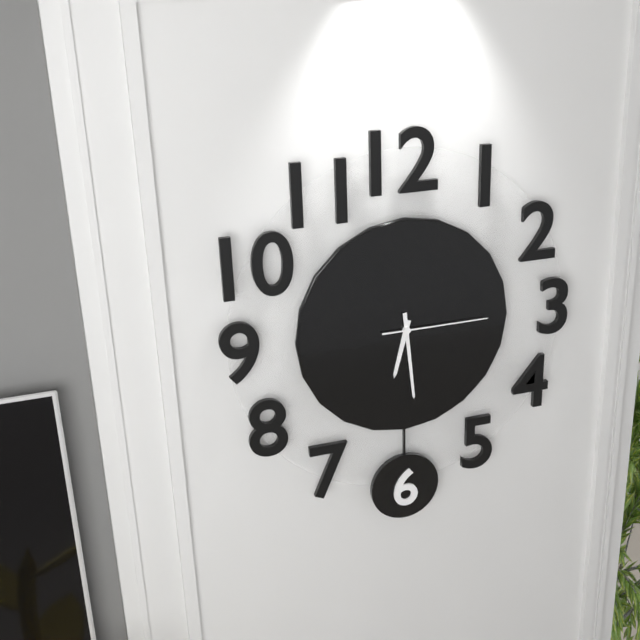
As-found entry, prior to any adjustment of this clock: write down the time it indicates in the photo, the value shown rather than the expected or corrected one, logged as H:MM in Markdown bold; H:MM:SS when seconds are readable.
**6:29:15**
